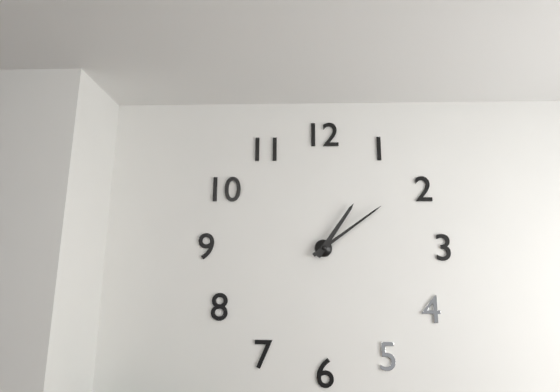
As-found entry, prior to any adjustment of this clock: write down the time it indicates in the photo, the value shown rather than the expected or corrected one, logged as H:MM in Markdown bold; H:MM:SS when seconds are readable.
**1:09**
